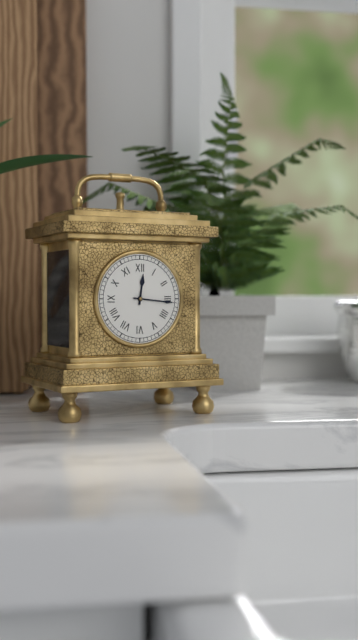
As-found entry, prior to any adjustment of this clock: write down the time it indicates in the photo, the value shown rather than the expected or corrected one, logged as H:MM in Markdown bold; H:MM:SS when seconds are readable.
**12:16**
